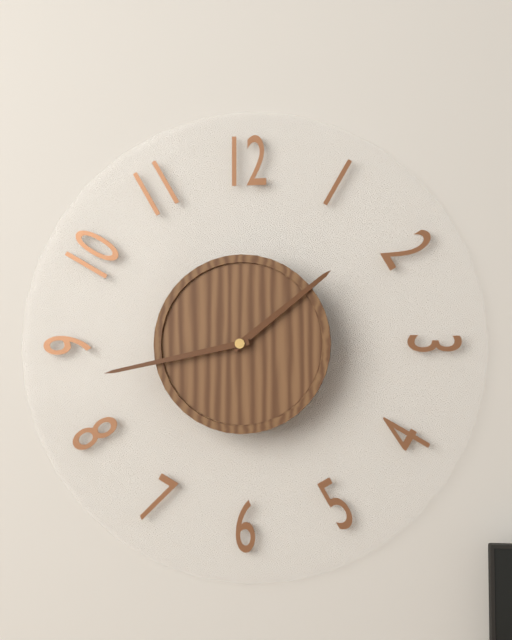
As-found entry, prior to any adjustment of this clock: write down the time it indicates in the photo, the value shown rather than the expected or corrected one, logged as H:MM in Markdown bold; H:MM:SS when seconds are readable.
**1:43**
